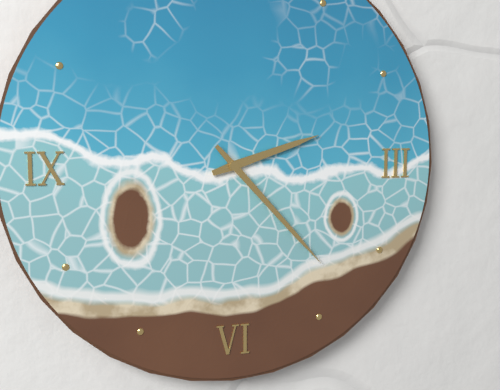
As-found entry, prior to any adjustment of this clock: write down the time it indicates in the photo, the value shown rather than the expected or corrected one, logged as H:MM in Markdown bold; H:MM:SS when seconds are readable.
**2:23**
